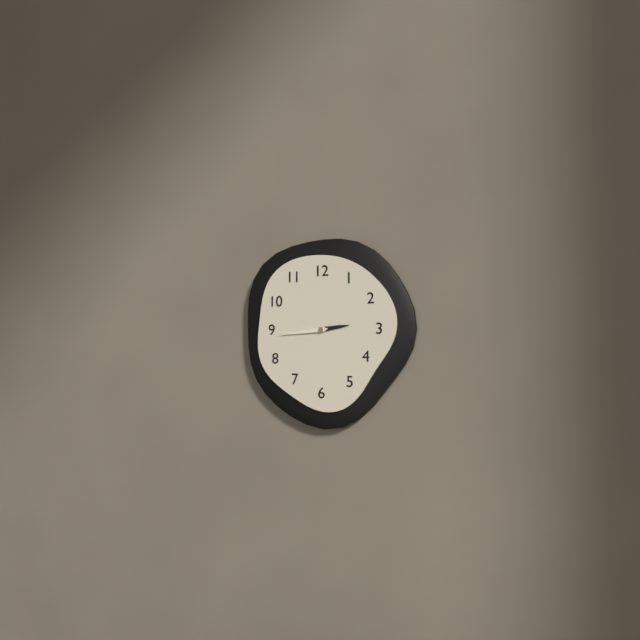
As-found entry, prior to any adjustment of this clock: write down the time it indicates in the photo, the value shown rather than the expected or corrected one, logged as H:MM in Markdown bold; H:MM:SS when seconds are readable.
**2:44**
